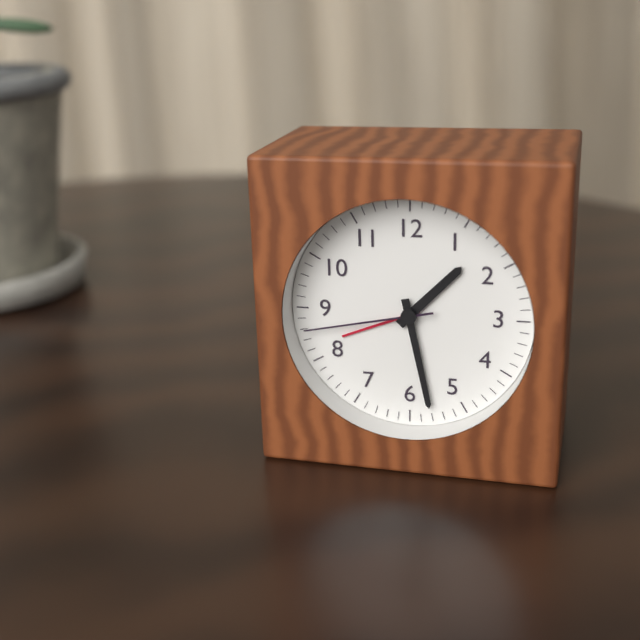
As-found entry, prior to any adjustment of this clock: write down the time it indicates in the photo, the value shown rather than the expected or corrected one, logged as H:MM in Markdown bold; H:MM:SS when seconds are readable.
**1:28:43**
